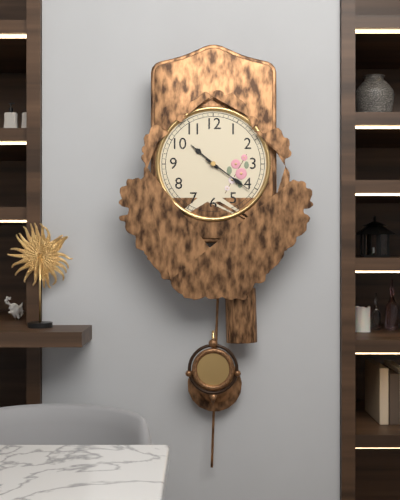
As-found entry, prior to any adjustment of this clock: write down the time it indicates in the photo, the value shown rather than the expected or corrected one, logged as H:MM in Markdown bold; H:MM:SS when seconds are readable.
**10:21**
